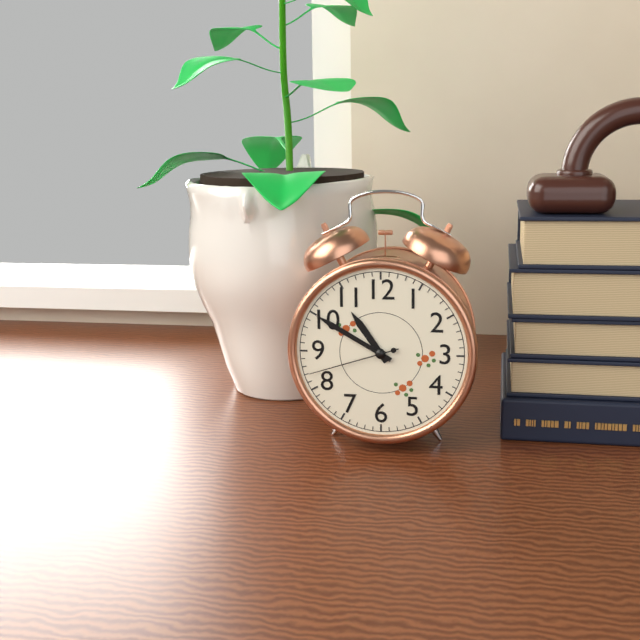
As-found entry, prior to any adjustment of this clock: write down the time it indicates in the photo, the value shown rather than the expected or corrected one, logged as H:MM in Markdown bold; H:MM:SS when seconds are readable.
**10:50:42**
